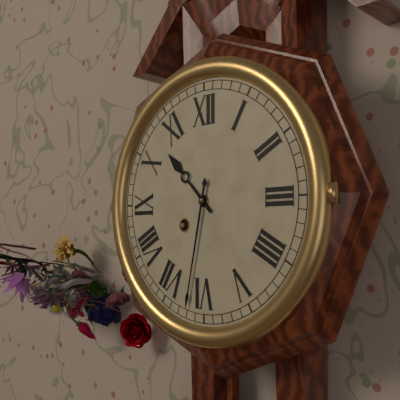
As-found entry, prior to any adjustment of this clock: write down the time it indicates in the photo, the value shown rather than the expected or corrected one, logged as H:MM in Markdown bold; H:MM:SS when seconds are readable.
**10:32**
